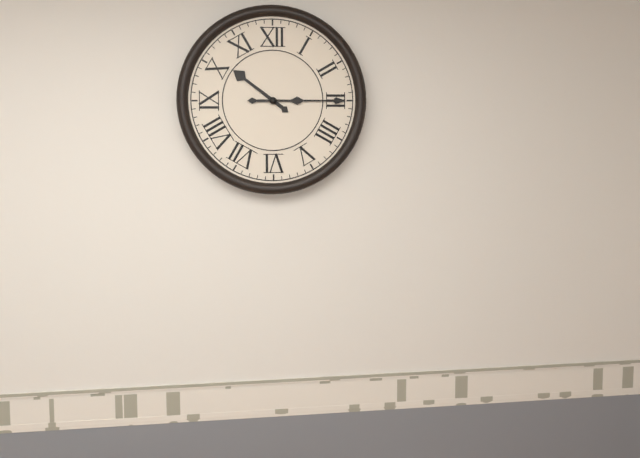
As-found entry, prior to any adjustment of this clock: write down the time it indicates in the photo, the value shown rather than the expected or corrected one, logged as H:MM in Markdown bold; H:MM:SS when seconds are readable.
**10:15**
